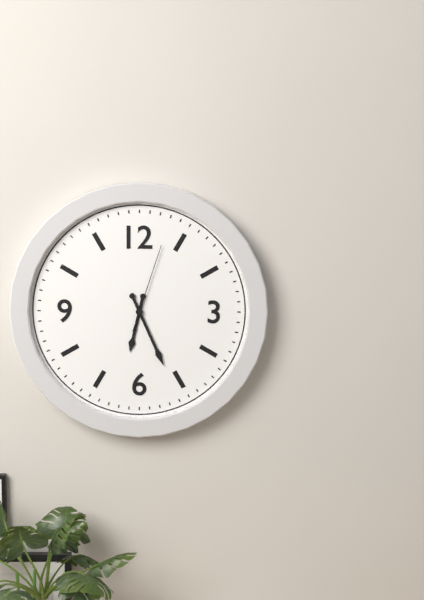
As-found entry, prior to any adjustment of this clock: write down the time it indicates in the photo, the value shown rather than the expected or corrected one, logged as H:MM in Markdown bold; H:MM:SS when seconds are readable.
**6:26:03**
